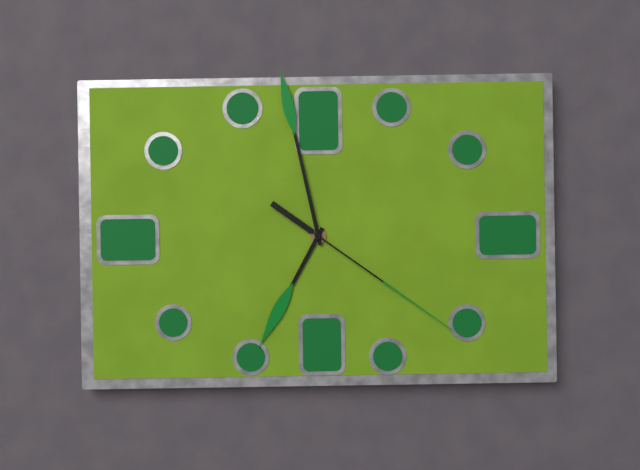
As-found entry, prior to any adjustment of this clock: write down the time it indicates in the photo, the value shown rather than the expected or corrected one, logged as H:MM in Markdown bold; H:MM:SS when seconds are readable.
**6:58:21**
